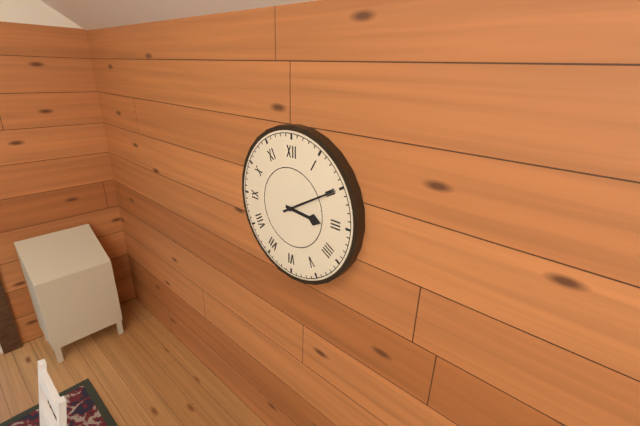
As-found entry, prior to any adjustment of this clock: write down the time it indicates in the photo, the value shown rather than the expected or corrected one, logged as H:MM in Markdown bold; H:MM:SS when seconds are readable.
**3:10**
